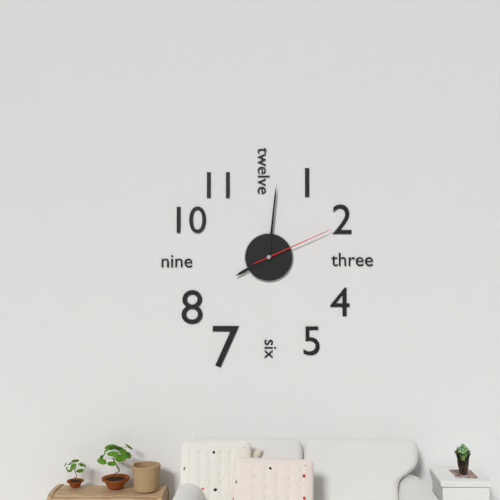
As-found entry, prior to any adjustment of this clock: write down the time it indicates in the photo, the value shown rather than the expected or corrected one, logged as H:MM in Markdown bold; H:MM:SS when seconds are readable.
**8:01:11**
